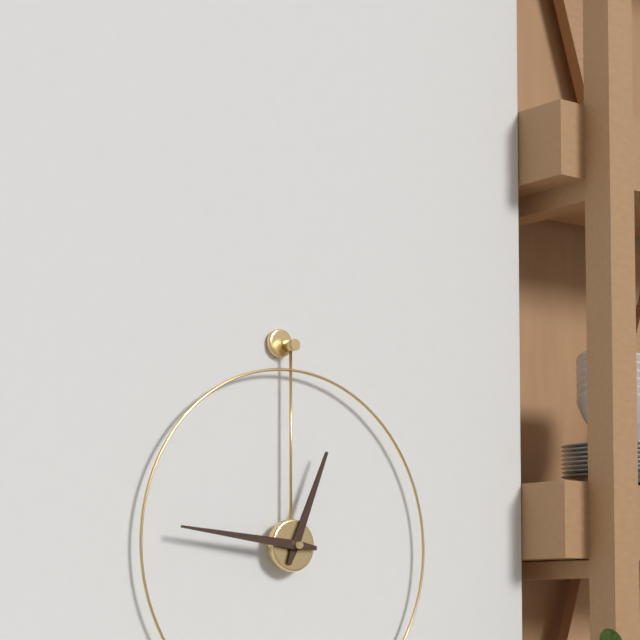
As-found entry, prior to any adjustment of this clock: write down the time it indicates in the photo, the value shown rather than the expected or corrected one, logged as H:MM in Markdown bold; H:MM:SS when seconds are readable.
**12:46**
